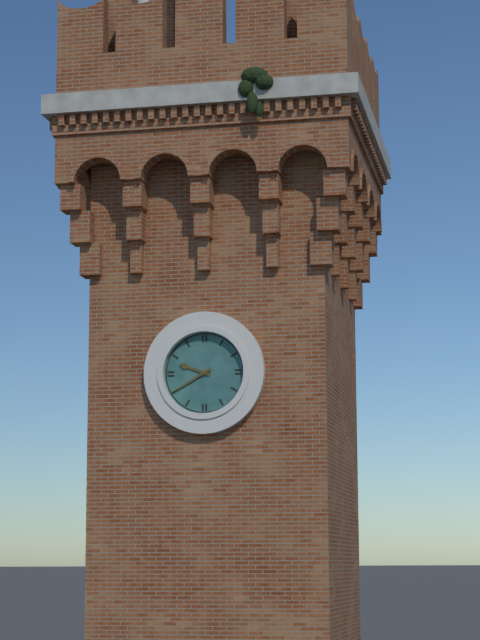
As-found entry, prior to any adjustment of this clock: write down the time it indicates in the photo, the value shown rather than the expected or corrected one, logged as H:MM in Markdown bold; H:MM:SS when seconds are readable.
**9:40**
